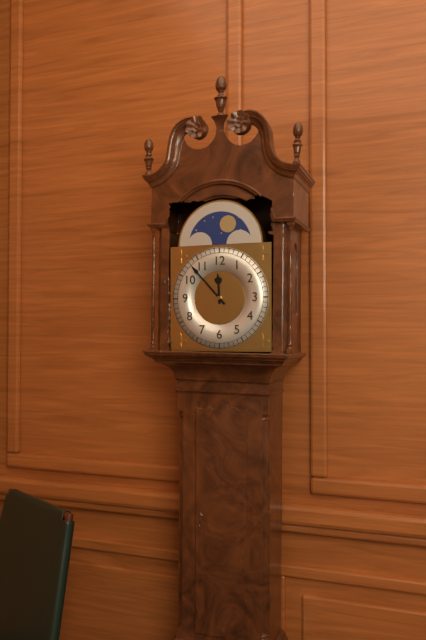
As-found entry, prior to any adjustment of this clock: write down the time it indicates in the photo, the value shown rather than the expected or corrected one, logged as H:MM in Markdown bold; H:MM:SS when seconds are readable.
**11:53**
